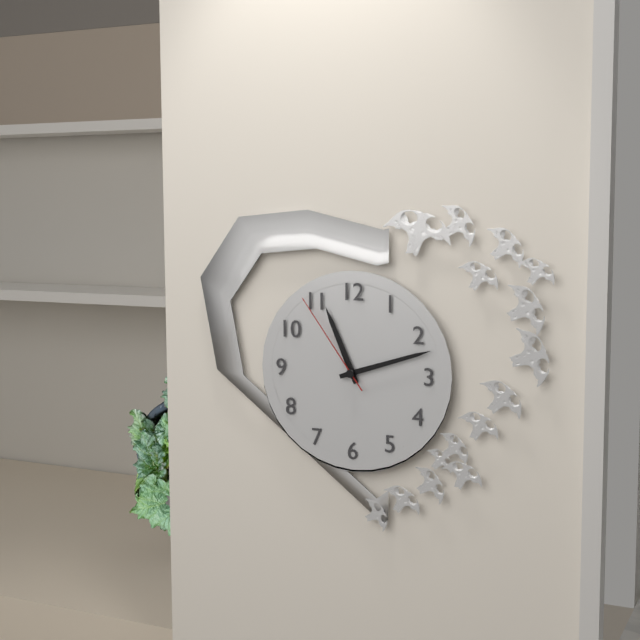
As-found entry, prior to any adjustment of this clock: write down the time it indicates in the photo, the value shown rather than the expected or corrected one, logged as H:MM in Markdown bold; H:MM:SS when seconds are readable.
**11:12:54**
